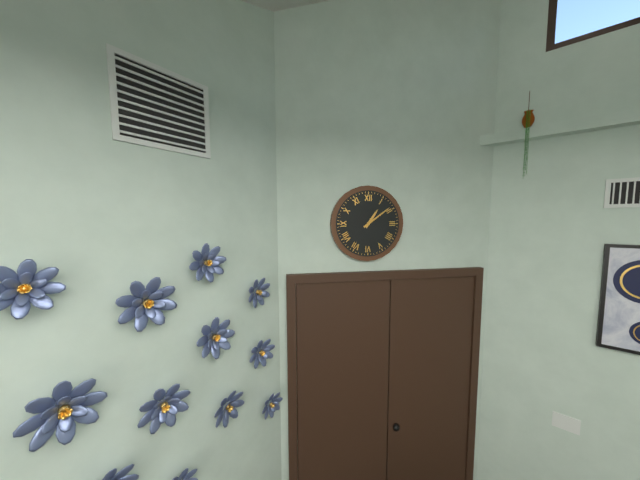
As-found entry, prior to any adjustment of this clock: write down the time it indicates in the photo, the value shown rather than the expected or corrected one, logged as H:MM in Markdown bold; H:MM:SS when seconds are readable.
**1:09**
